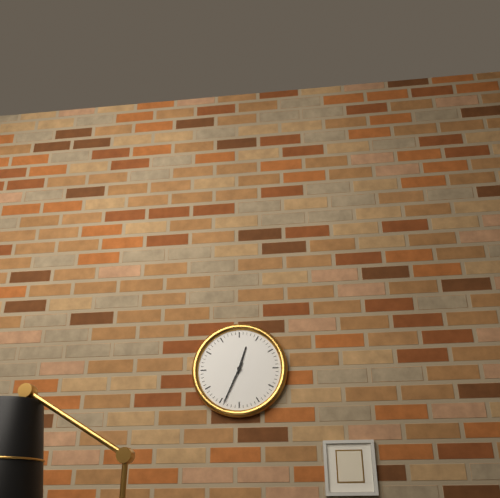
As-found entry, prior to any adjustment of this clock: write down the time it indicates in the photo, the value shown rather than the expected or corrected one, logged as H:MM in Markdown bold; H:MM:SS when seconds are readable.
**12:34**
